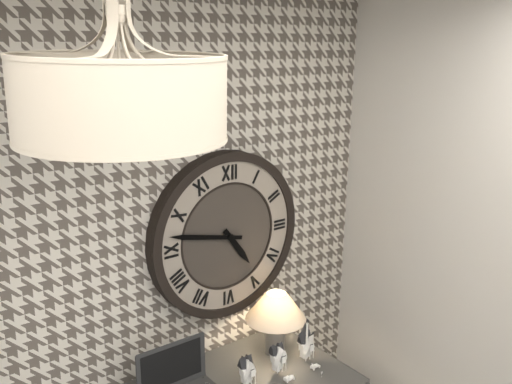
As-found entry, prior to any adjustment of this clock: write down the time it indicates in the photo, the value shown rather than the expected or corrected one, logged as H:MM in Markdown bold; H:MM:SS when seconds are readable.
**4:47**
